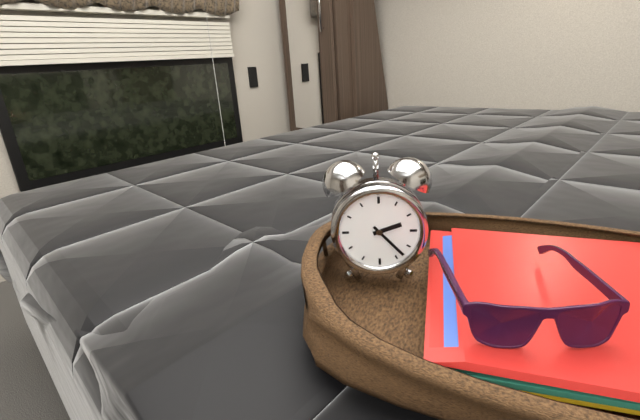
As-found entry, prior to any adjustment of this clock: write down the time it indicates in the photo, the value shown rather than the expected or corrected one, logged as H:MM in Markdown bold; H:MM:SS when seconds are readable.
**2:23**
